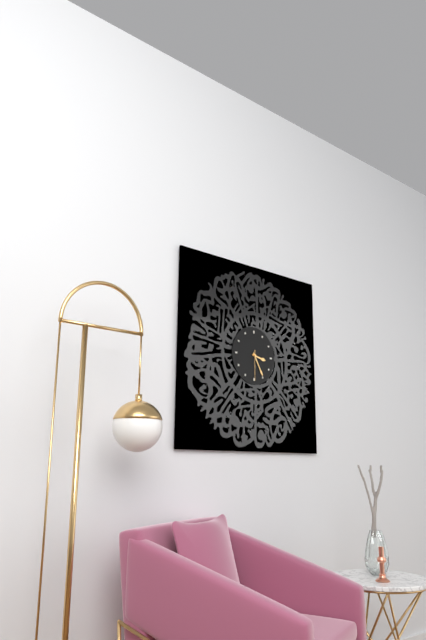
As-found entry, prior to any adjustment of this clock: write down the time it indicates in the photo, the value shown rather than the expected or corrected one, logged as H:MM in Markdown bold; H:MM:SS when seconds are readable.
**3:25**
